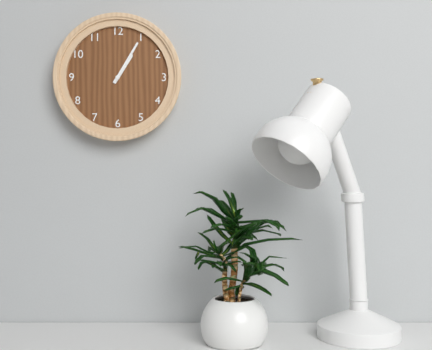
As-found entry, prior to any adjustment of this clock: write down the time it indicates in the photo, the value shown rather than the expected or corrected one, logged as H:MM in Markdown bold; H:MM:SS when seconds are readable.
**1:05**
